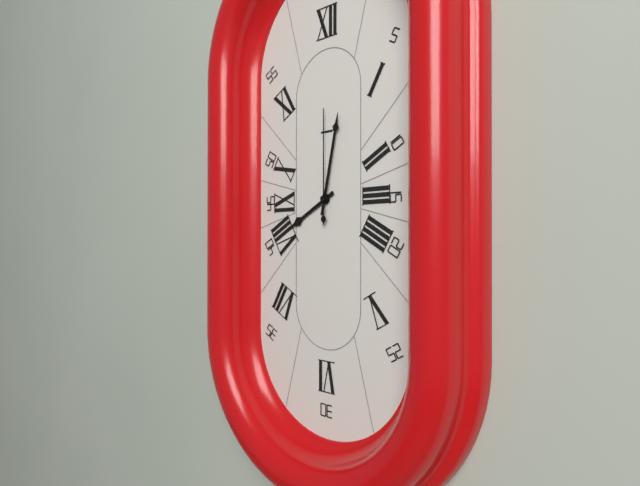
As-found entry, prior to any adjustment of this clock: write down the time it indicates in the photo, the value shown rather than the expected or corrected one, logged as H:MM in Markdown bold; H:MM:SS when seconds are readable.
**8:02:00**
